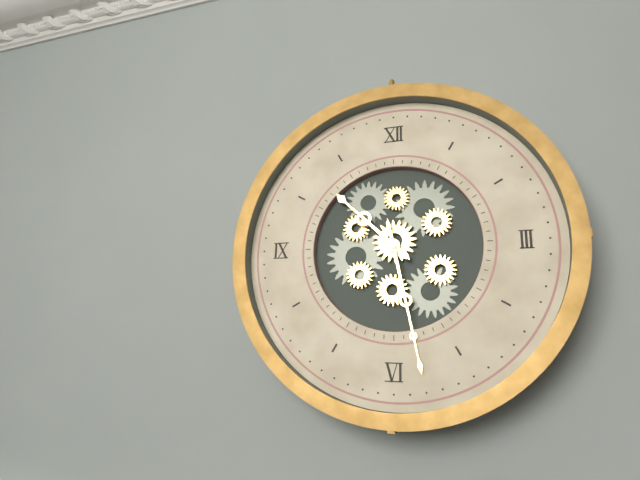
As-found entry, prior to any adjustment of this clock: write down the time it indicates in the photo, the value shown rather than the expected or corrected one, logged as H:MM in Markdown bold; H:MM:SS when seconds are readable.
**10:28**
